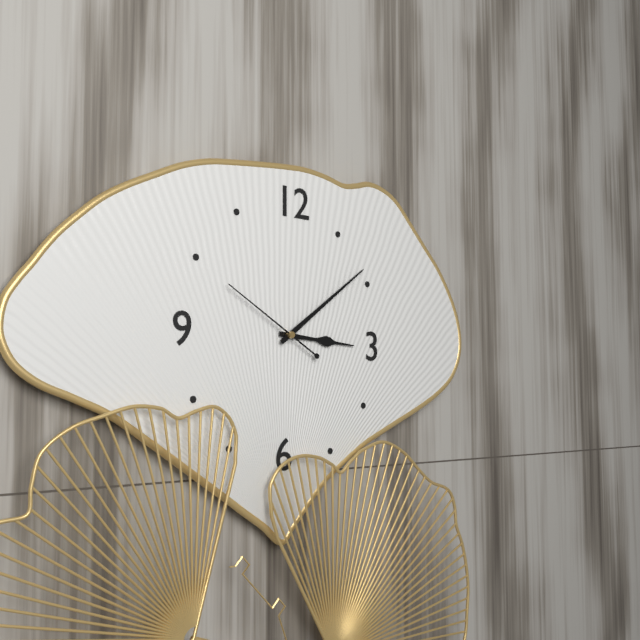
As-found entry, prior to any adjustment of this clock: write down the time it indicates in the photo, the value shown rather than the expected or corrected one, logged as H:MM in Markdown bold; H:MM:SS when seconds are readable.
**3:09:50**
